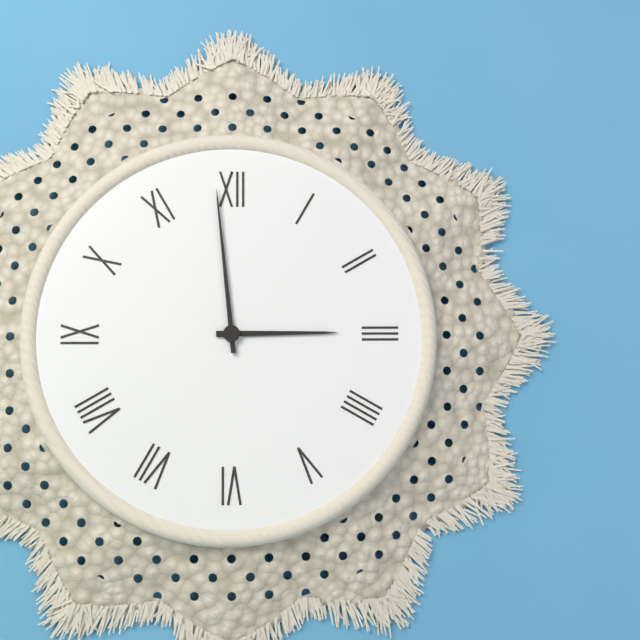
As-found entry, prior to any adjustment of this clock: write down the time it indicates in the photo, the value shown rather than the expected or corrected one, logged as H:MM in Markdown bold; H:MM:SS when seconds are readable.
**2:59**
